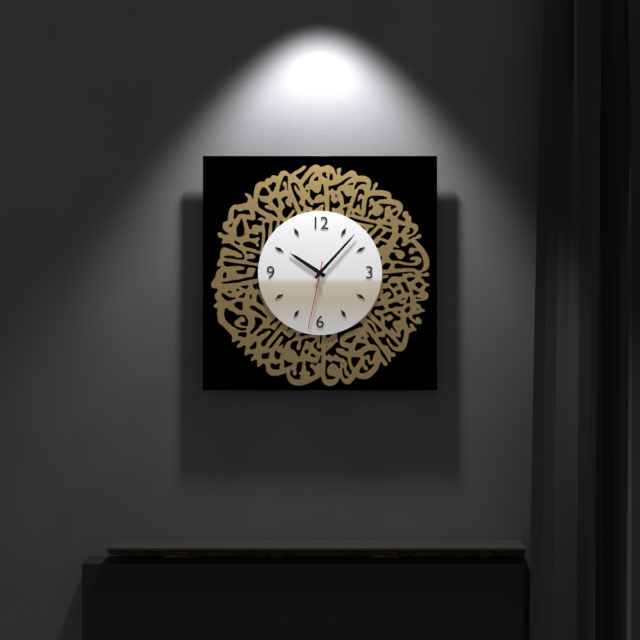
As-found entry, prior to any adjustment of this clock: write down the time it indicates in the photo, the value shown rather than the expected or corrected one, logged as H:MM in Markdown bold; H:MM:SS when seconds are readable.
**10:07:32**
